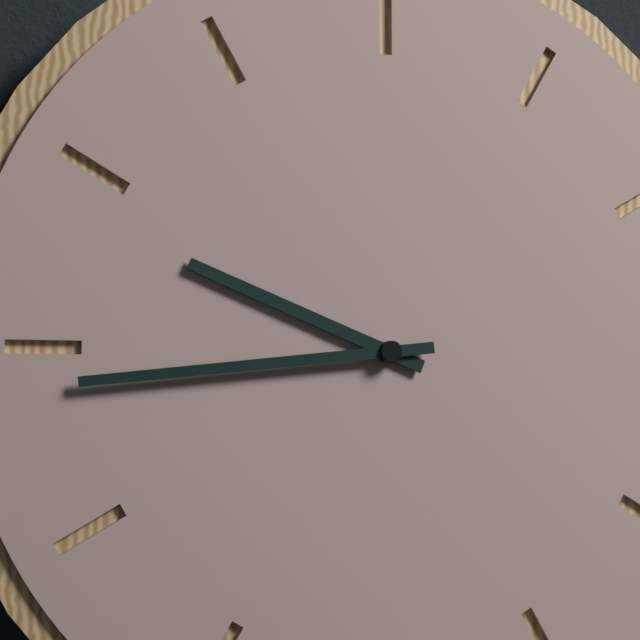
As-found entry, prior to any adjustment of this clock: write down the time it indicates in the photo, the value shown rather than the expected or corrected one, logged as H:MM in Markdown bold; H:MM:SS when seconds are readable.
**9:44**
